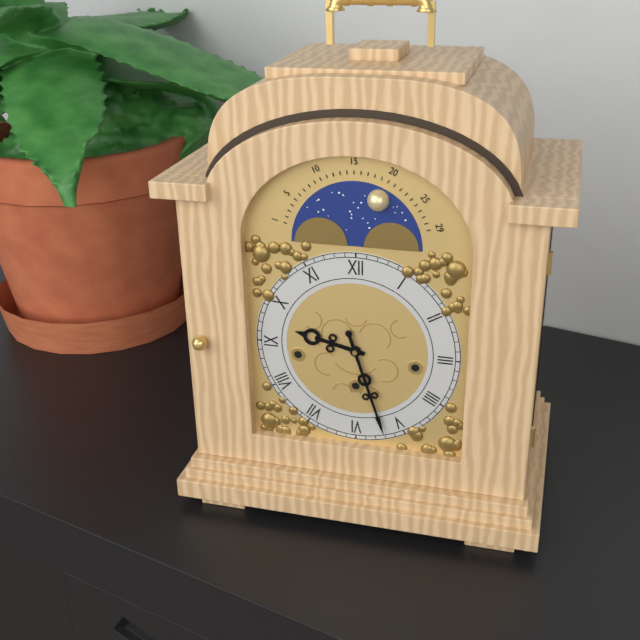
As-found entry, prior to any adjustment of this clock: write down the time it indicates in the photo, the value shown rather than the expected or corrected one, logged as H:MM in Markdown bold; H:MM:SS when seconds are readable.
**9:27**
